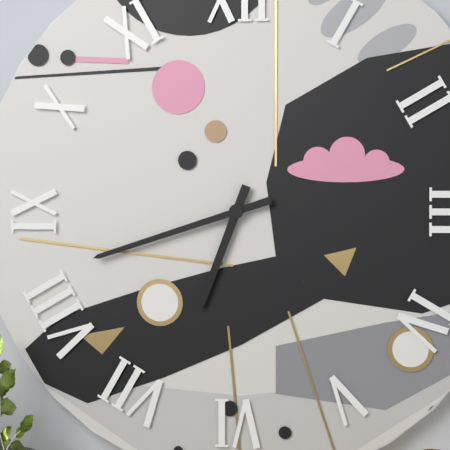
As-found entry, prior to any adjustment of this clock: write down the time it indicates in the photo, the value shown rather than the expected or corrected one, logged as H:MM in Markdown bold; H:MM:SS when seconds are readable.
**6:42**
